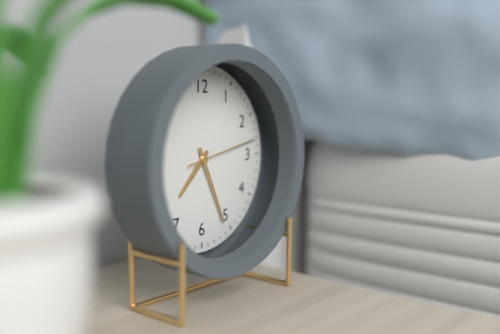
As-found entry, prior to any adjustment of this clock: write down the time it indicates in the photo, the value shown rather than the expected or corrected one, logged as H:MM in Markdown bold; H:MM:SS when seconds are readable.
**7:26:13**
